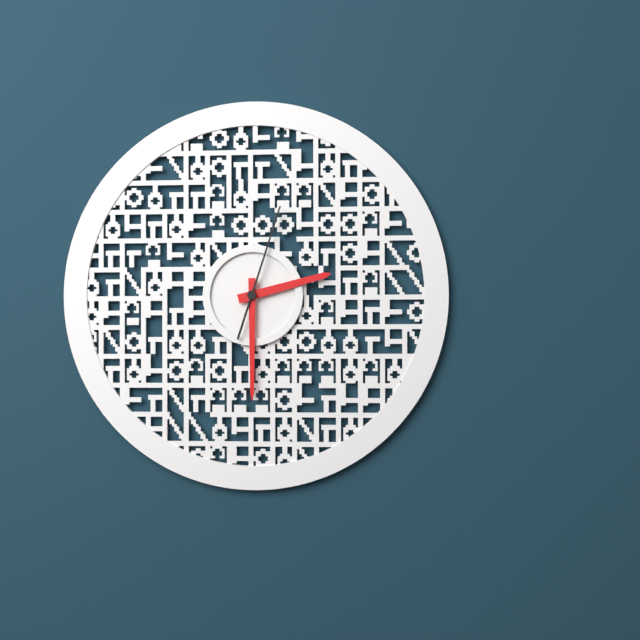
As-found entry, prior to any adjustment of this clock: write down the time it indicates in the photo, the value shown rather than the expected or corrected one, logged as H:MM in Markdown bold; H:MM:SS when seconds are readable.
**2:30:03**
